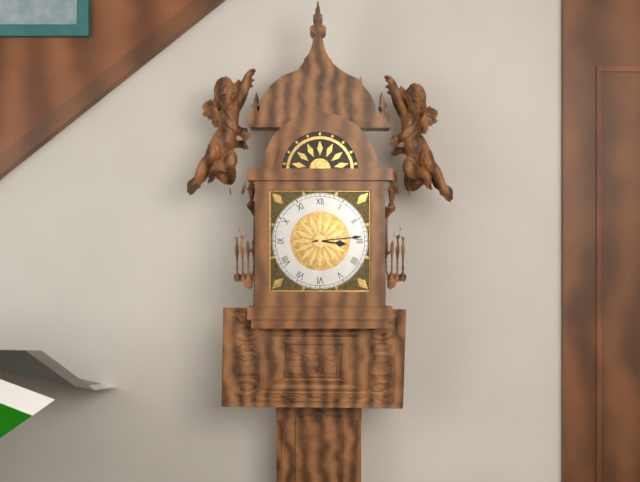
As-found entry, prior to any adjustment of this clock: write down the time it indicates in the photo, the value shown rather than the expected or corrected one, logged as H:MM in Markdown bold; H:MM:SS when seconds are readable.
**3:14**
